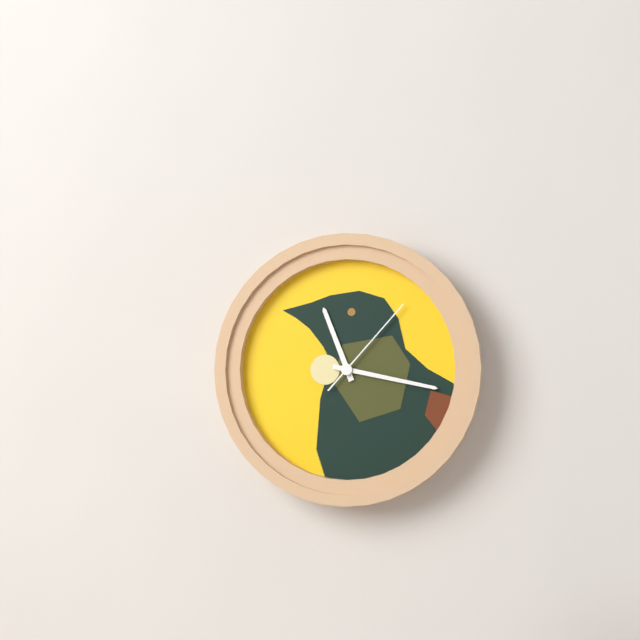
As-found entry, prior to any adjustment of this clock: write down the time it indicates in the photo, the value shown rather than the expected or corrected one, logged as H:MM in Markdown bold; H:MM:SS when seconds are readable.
**11:17:07**
